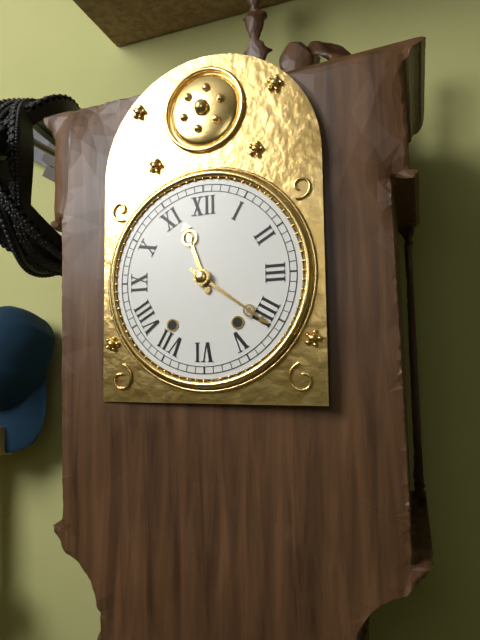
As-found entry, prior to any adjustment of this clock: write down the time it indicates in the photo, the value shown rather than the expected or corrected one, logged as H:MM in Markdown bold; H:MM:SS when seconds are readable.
**11:21**
